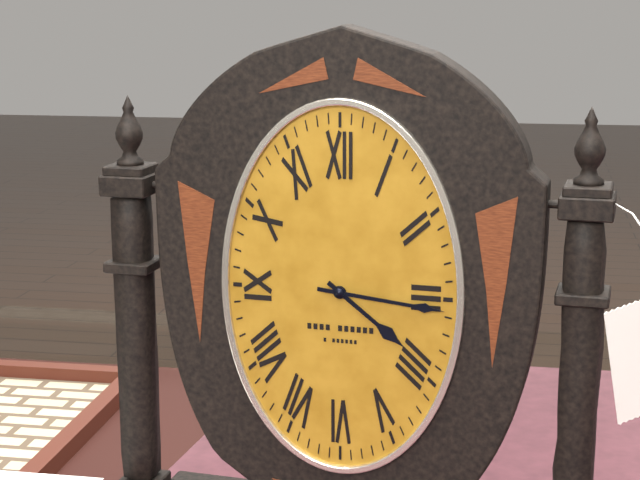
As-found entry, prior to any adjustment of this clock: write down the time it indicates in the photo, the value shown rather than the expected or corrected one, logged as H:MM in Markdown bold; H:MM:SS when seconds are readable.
**4:16**
